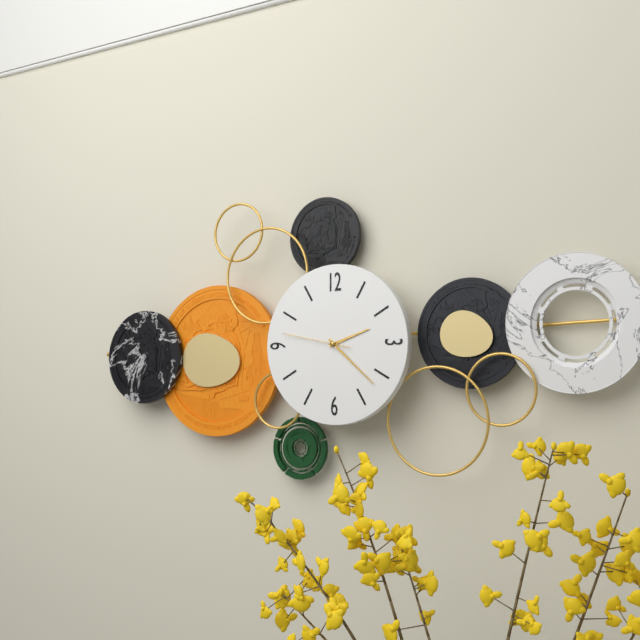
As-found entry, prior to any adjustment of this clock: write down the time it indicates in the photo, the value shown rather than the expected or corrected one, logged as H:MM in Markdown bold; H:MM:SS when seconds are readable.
**2:22:47**
